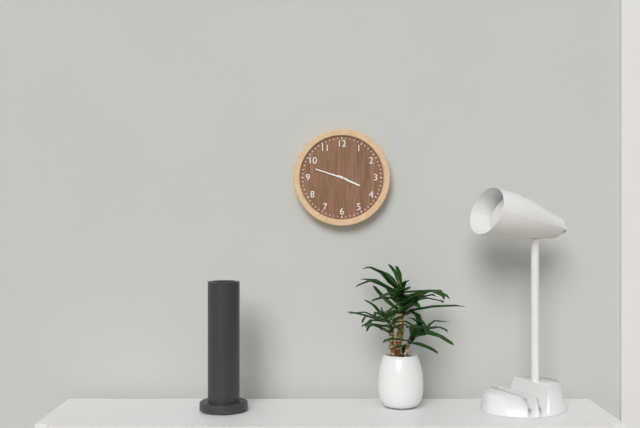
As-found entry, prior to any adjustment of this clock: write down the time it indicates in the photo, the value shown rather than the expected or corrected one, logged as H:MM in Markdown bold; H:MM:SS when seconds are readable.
**3:48**
